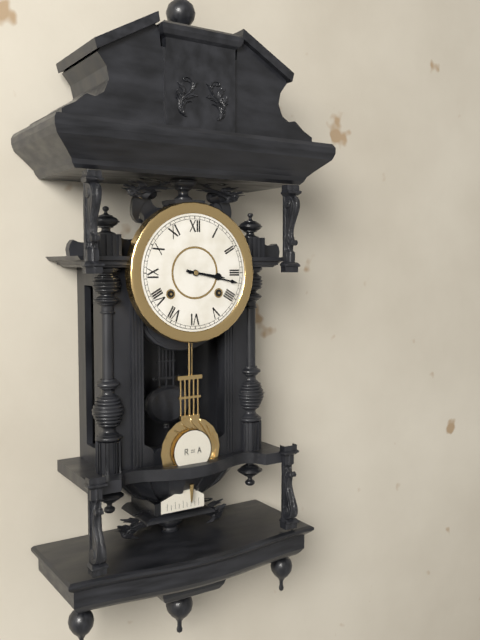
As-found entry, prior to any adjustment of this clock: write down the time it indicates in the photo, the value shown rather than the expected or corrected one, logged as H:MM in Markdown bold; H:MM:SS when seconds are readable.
**3:17**
